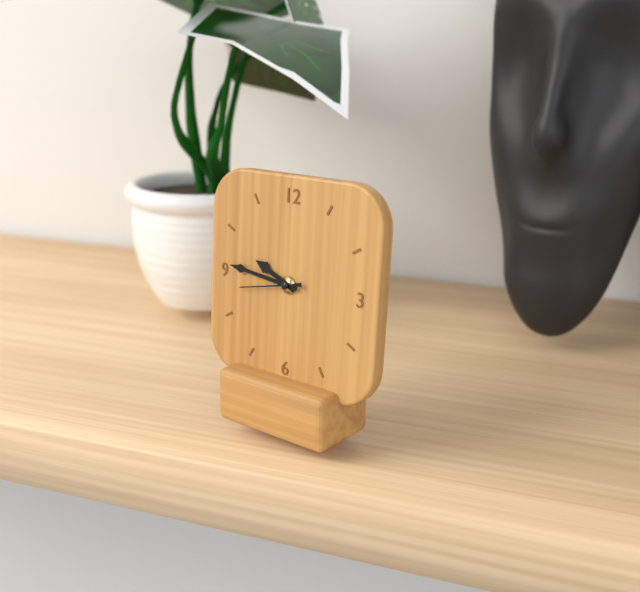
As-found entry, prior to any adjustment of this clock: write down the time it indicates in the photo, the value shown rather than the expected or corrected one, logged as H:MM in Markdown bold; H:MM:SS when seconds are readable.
**9:46:43**
